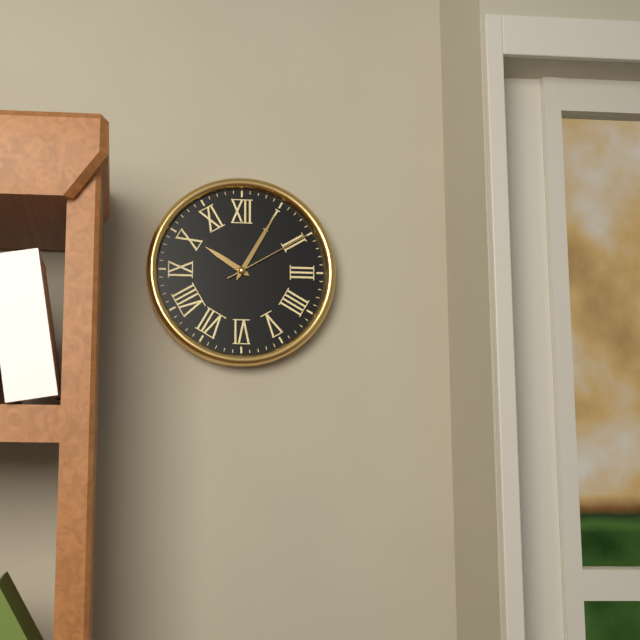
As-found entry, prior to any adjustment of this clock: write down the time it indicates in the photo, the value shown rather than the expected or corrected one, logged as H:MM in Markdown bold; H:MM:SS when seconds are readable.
**10:05:10**
